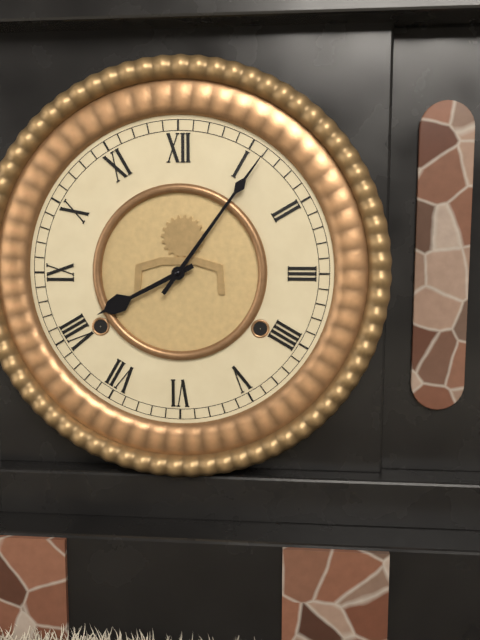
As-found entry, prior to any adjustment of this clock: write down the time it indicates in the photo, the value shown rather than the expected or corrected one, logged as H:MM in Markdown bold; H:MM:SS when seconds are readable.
**8:06**
